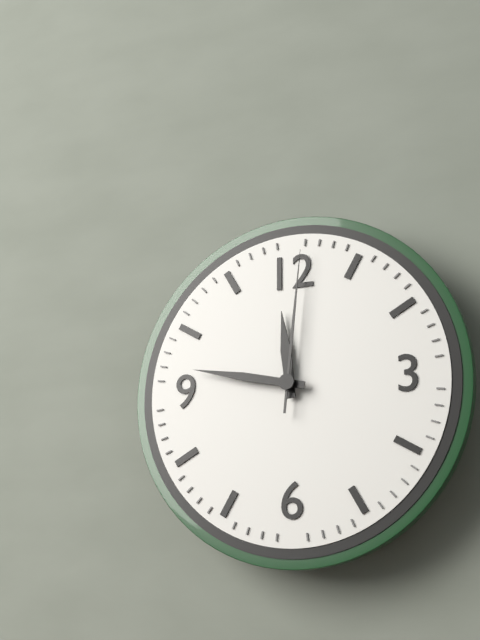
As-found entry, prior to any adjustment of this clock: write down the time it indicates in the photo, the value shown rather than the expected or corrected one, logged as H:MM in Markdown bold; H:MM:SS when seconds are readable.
**11:47:01**
